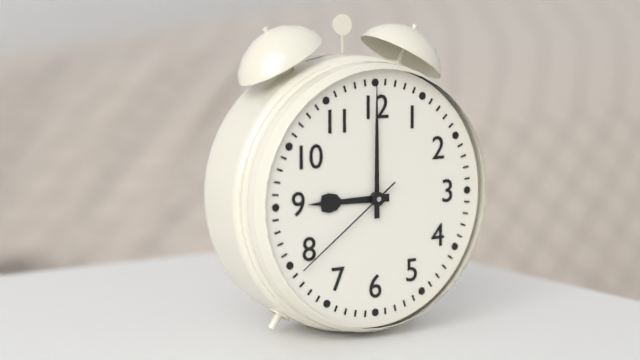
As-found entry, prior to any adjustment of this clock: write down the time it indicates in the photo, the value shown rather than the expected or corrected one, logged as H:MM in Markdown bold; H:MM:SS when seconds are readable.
**9:00:39**
